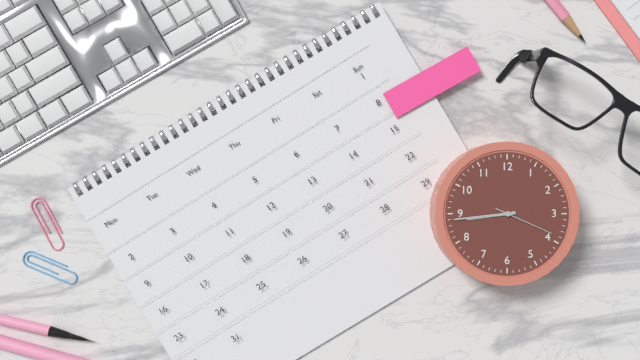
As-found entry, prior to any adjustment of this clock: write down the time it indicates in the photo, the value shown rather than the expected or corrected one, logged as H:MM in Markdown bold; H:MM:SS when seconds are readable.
**8:44:19**
